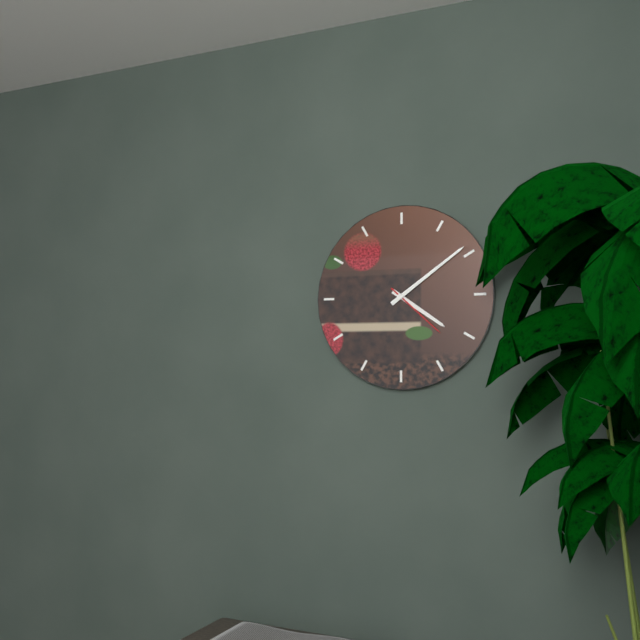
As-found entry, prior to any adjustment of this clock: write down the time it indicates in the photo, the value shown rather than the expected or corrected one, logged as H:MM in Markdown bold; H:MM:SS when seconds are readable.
**4:09:22**
